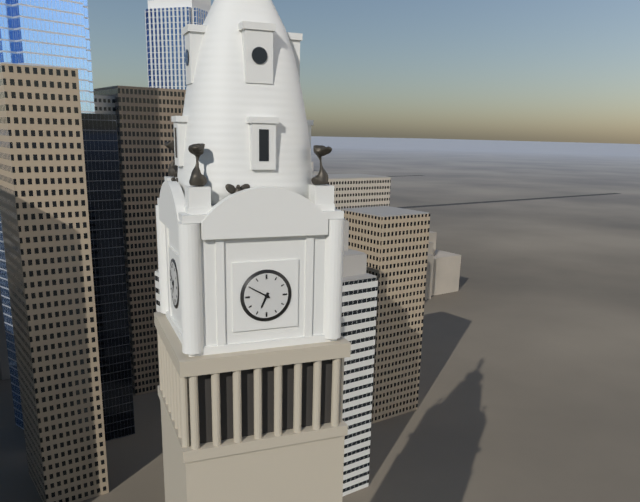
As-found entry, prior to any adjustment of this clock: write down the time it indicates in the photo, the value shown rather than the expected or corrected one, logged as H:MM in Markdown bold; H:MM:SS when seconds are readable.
**6:50**
